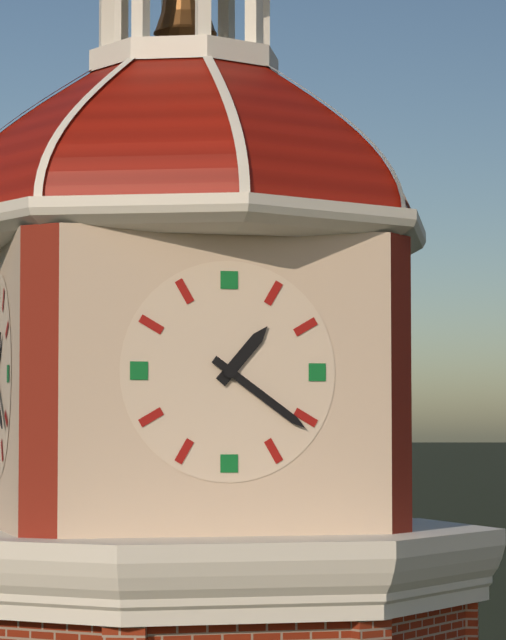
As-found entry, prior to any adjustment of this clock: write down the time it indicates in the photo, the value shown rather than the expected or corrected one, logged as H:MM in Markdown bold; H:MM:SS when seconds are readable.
**1:21**
